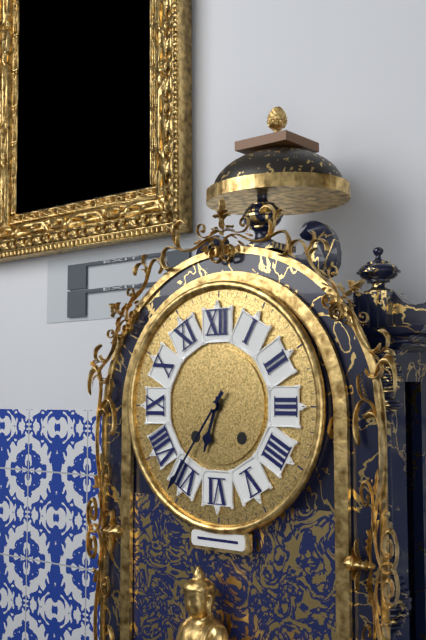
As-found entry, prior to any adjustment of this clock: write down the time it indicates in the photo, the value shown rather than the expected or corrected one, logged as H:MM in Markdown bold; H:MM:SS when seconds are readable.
**6:36**
